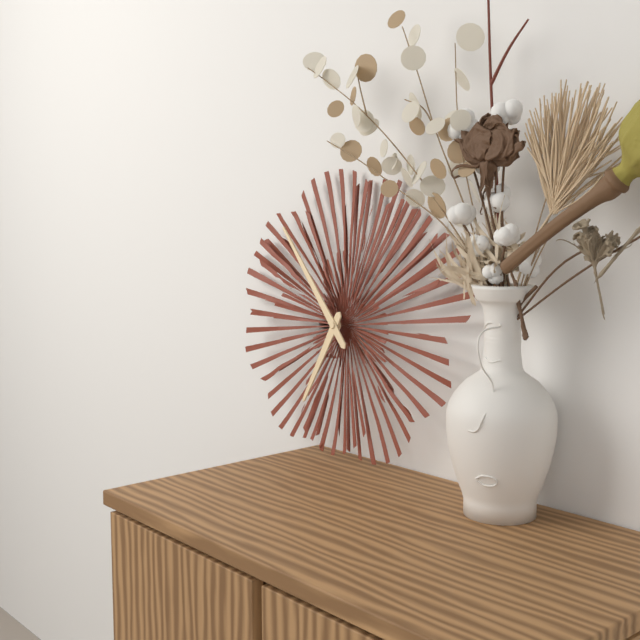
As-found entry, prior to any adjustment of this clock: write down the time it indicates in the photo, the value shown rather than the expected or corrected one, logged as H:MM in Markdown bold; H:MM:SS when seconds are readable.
**6:53**
